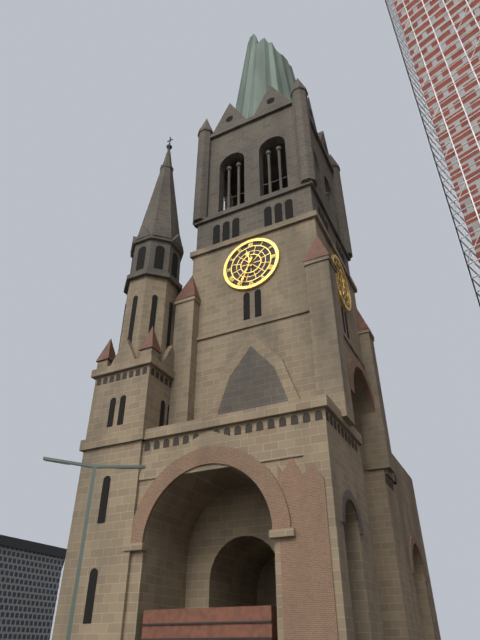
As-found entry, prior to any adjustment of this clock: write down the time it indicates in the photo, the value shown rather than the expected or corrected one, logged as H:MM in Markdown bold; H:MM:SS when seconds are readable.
**11:34**
